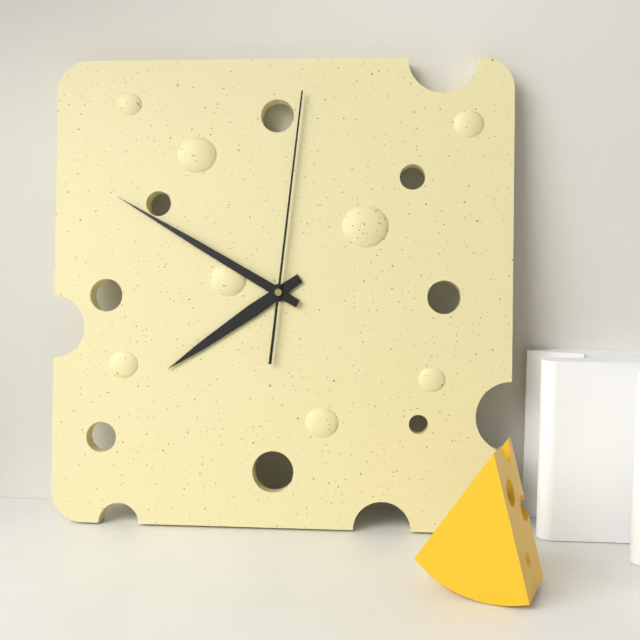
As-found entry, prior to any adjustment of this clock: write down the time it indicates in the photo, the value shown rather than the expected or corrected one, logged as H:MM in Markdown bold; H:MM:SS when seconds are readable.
**7:50:01**
